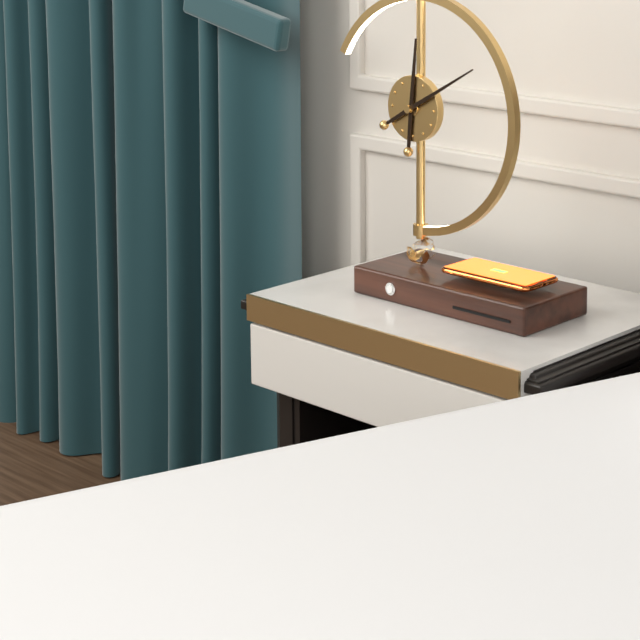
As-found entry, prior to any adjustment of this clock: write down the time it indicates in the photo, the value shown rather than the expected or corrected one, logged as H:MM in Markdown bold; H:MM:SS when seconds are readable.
**12:10**
